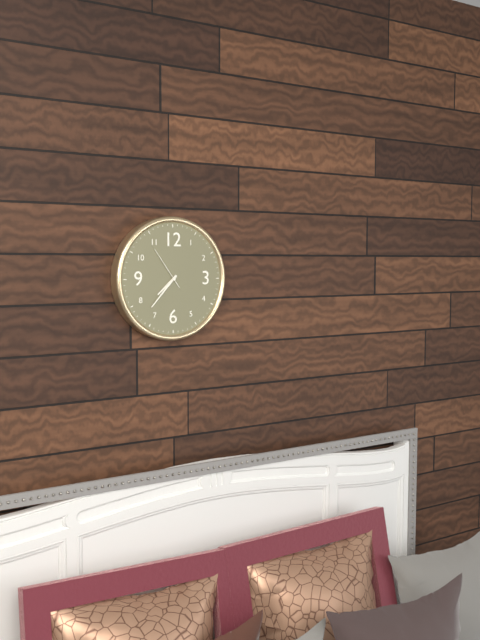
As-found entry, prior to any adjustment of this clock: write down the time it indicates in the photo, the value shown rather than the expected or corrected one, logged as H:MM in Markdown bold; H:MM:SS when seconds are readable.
**7:37**
